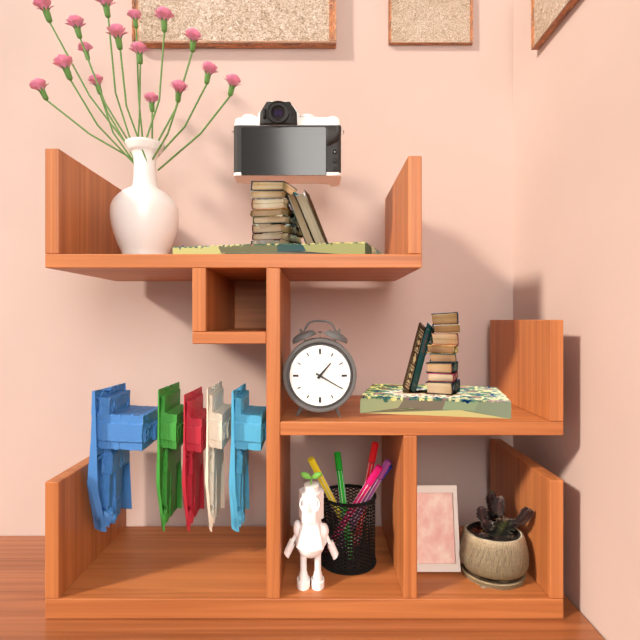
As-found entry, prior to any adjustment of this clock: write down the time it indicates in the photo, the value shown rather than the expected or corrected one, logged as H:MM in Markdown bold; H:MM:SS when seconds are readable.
**1:20**
